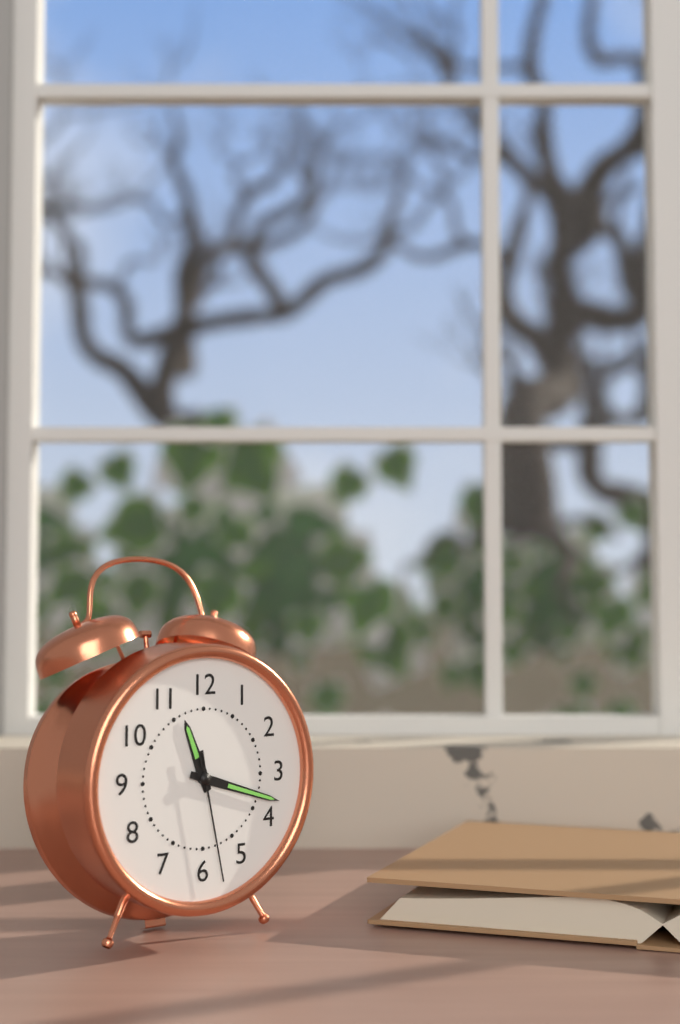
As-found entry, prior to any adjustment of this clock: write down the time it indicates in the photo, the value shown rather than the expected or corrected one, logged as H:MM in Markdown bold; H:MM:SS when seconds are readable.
**11:18:28**
